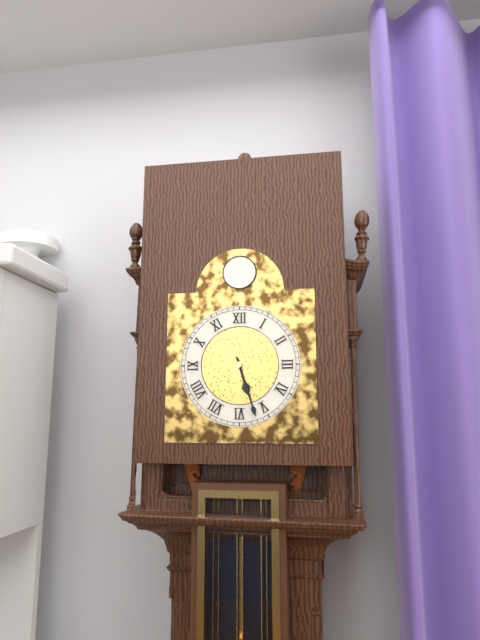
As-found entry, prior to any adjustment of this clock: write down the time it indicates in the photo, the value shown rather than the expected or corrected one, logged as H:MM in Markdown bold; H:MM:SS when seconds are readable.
**5:27**
